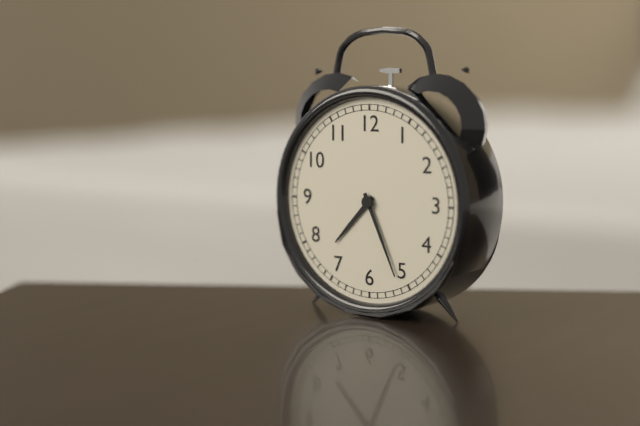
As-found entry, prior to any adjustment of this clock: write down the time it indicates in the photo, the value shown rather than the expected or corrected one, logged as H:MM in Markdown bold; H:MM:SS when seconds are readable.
**7:26**
